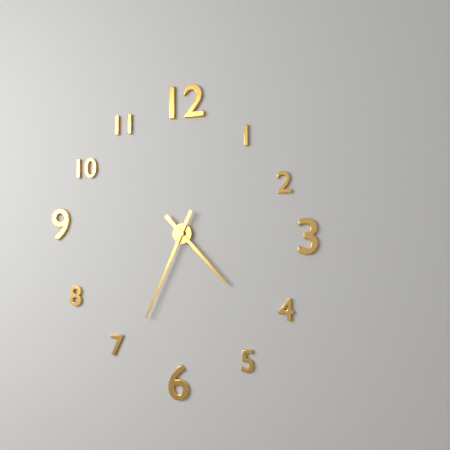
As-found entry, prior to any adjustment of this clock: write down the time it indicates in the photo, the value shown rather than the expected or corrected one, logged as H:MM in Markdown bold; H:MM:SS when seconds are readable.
**4:34**
